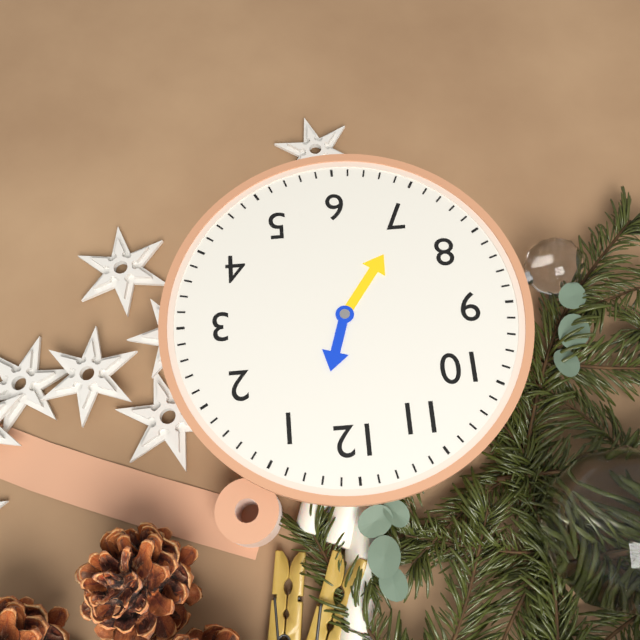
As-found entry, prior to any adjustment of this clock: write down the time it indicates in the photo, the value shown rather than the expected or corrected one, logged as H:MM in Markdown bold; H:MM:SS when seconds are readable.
**12:36**
